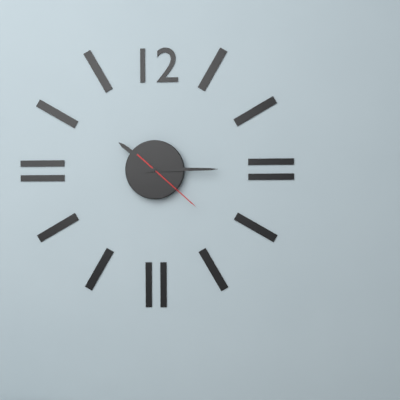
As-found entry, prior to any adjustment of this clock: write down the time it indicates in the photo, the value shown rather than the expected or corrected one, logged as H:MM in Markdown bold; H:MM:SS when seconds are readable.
**10:15:22**
